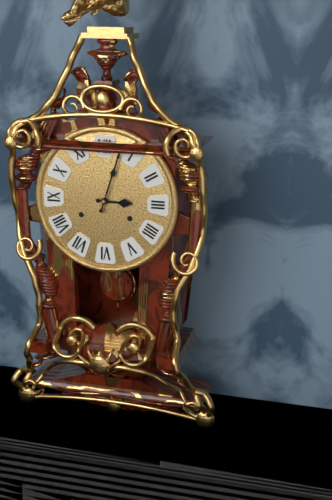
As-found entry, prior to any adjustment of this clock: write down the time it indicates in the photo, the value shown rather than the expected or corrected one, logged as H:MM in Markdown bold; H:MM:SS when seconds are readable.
**3:03**
